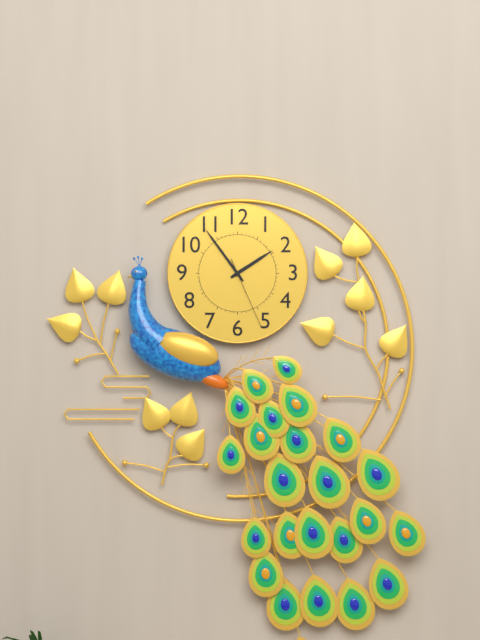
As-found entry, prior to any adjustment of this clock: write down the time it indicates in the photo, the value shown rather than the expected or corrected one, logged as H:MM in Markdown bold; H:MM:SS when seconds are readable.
**1:54:26**
